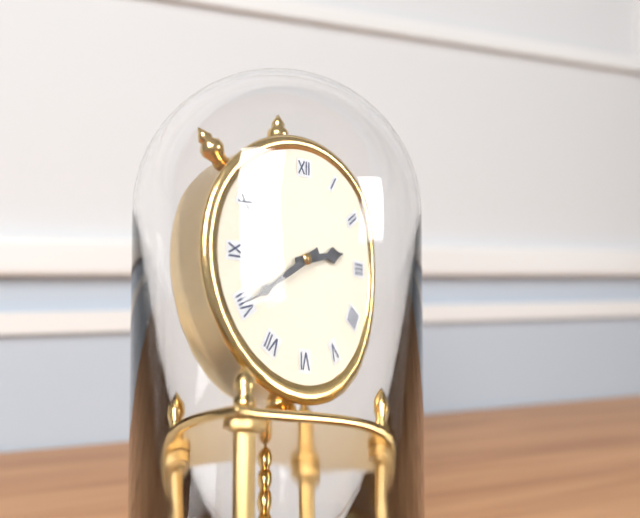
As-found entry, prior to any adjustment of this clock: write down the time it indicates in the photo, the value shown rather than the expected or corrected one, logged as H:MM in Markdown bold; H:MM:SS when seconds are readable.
**2:40**
